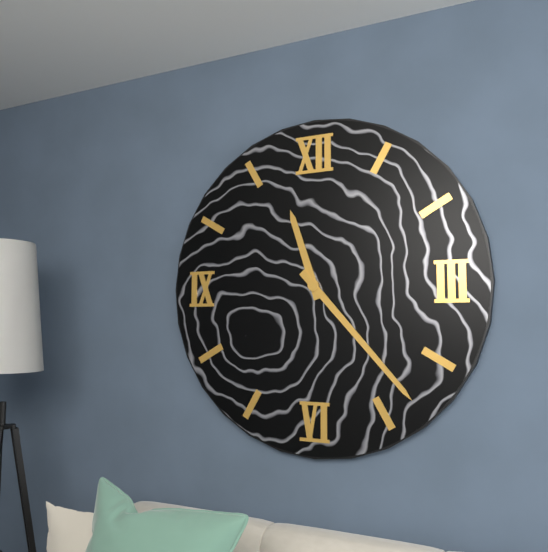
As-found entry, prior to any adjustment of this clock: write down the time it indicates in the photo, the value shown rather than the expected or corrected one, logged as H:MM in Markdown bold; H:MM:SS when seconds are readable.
**11:23**
